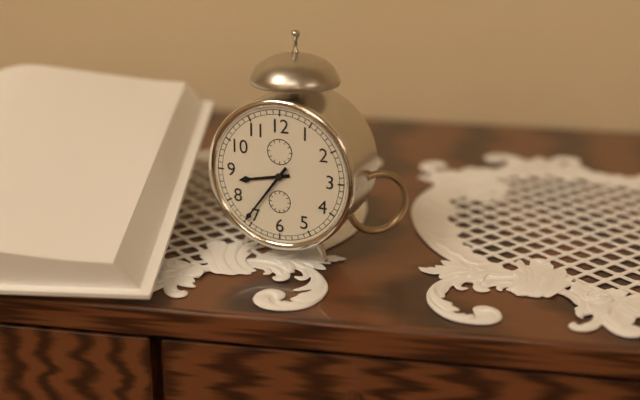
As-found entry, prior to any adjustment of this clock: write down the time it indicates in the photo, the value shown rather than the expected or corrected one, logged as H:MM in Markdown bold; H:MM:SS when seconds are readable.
**8:36**
